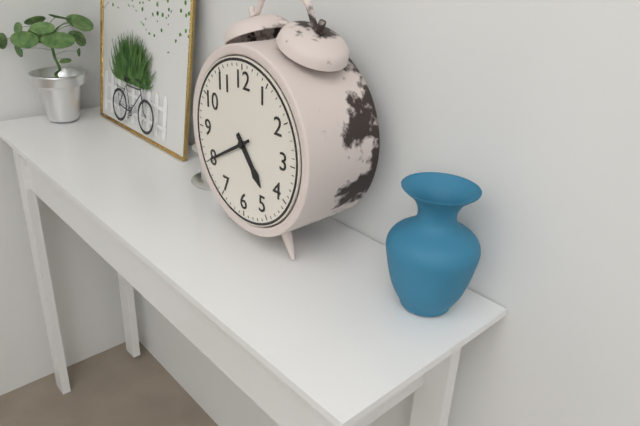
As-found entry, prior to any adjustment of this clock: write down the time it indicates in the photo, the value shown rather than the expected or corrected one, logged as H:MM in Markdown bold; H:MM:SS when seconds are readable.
**4:40**
